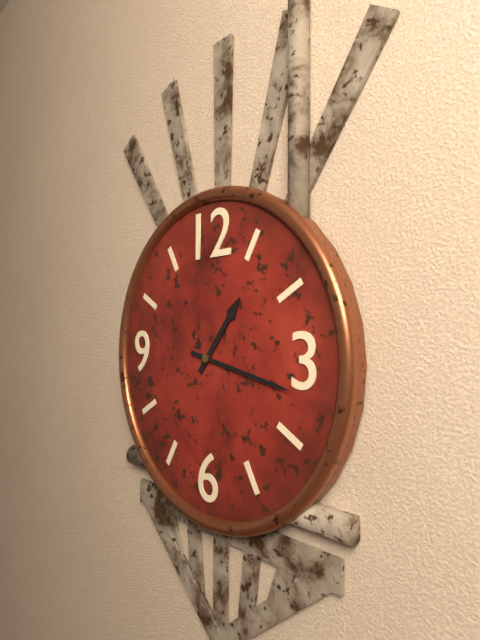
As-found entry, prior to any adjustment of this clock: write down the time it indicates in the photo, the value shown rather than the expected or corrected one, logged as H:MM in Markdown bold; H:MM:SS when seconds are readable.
**1:17**
